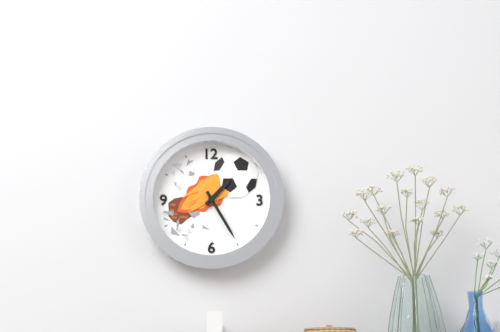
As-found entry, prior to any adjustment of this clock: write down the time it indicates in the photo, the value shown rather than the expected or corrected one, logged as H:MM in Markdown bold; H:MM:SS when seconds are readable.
**1:25**
